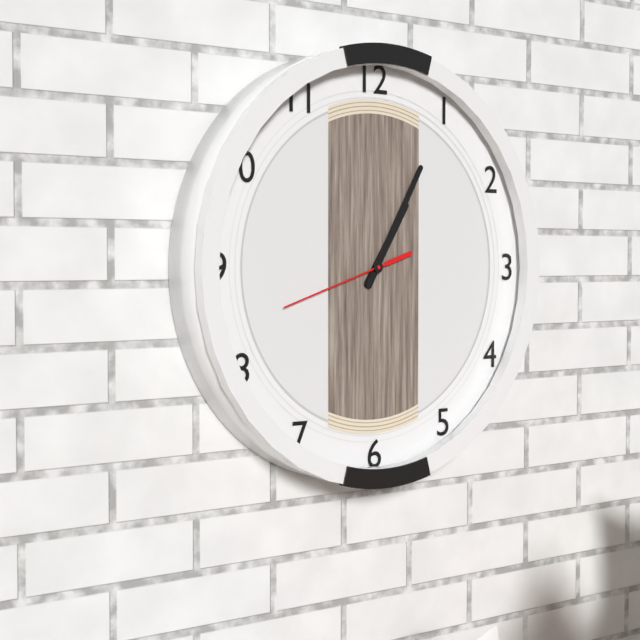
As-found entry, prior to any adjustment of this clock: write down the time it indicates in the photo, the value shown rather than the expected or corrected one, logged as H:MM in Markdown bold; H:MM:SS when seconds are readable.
**1:05:42**
